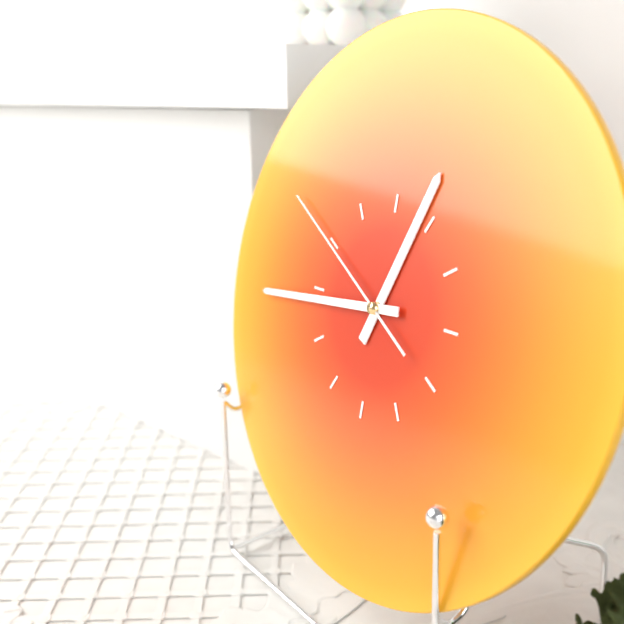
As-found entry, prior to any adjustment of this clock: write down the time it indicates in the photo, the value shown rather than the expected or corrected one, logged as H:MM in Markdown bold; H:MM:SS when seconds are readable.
**12:44:50**
